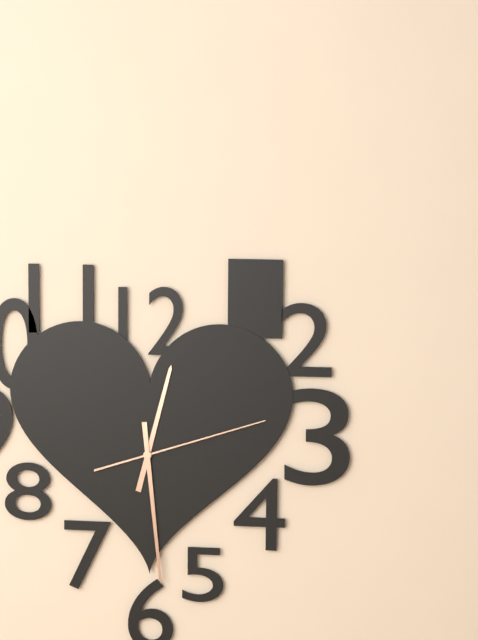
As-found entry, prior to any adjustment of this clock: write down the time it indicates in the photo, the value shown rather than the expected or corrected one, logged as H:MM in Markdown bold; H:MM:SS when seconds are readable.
**12:29:12**
